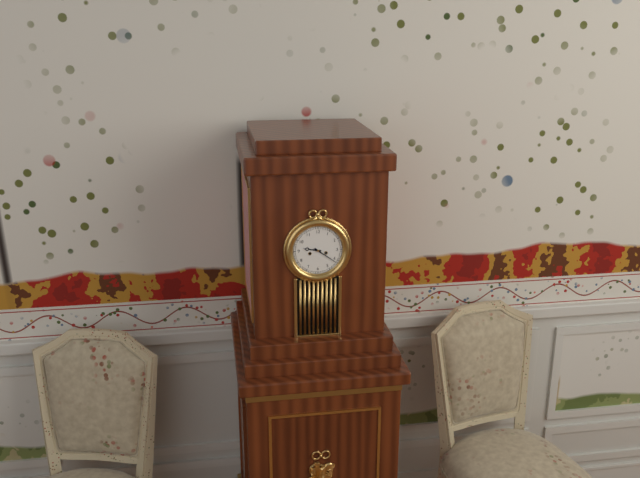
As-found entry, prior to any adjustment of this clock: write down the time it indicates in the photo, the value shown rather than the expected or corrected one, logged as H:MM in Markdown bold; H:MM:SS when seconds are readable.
**9:21**
